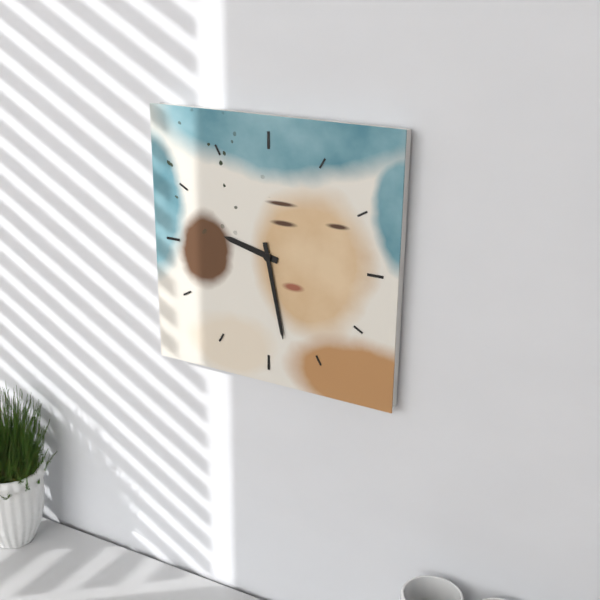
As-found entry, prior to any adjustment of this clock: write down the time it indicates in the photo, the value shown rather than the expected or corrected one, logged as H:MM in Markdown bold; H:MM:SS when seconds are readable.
**9:28**
